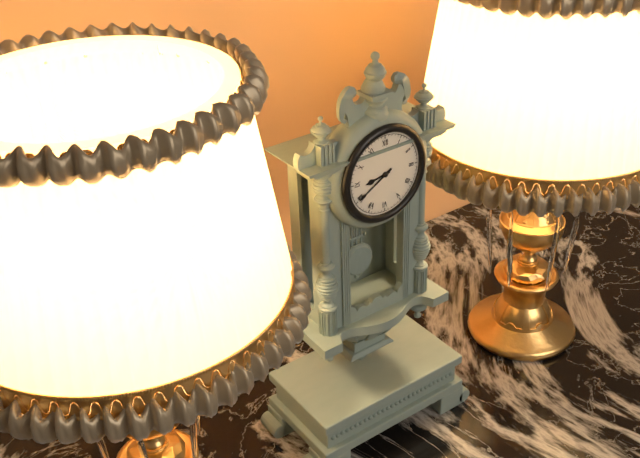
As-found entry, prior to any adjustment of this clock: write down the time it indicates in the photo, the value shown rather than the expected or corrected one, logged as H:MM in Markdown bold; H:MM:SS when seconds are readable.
**8:40**
